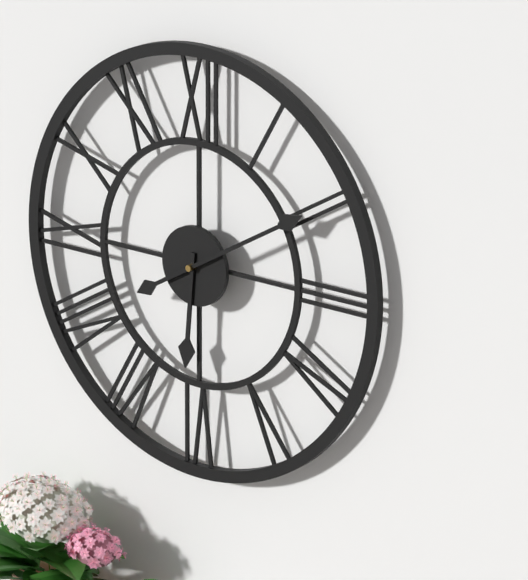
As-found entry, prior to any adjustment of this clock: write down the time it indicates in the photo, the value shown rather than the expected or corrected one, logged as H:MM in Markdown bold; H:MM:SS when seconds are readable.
**6:10**
